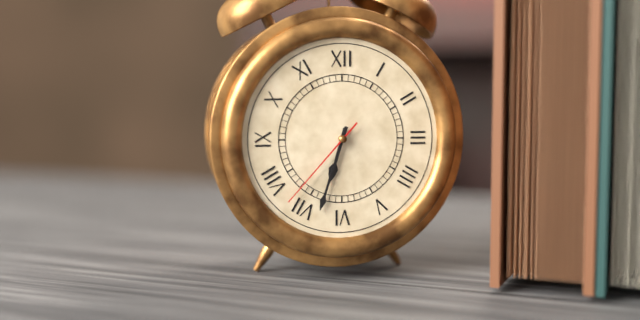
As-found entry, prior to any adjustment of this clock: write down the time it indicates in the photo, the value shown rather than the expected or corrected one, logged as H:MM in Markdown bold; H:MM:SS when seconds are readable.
**6:33:37**
